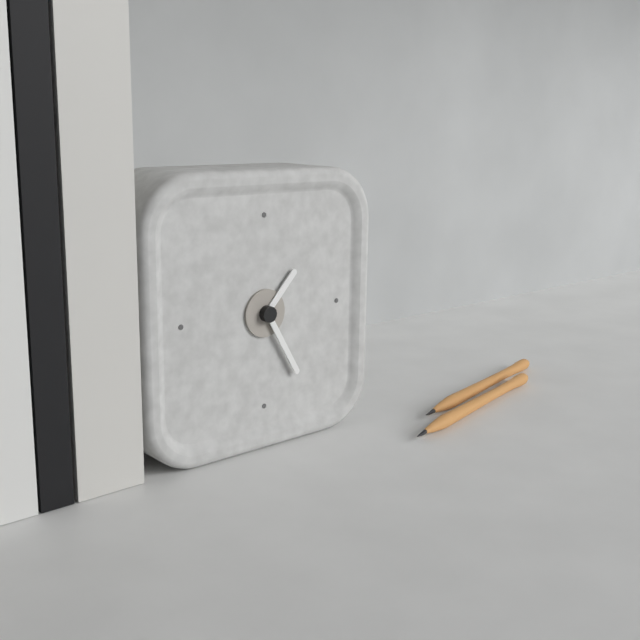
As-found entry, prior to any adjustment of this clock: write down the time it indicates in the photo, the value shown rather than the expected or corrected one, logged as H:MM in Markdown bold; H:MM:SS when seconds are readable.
**1:25**
